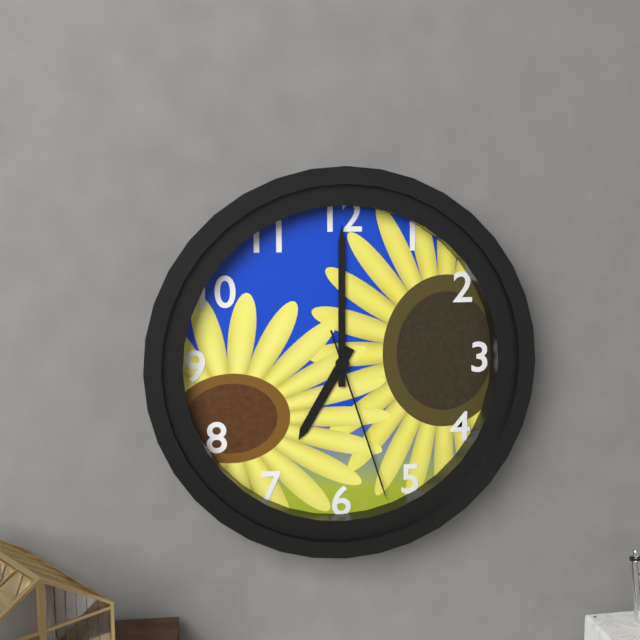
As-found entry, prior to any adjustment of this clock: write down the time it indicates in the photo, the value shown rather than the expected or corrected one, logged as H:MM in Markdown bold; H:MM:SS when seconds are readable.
**7:00:27**
